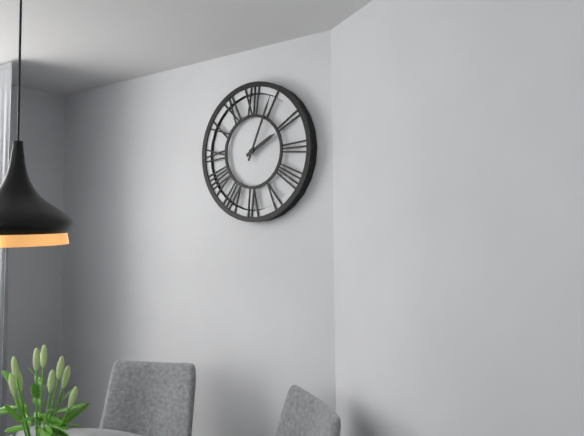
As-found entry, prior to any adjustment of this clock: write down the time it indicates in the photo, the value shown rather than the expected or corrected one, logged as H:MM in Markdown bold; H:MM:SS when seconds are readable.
**2:04**
